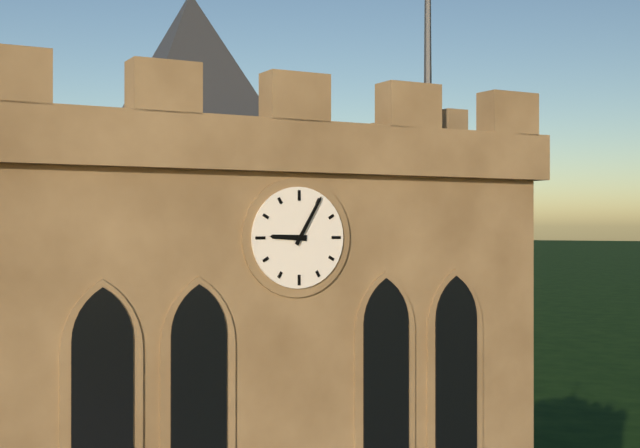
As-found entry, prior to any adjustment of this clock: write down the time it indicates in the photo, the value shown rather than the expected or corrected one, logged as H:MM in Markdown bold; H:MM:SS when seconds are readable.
**9:05**
